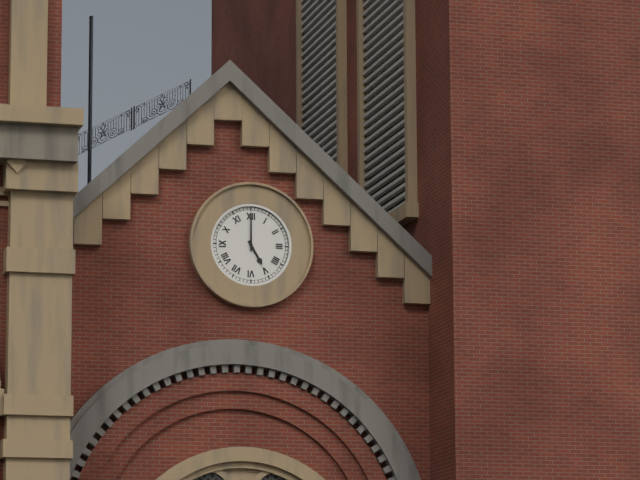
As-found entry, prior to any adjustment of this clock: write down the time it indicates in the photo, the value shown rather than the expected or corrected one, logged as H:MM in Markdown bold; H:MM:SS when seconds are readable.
**5:00**
